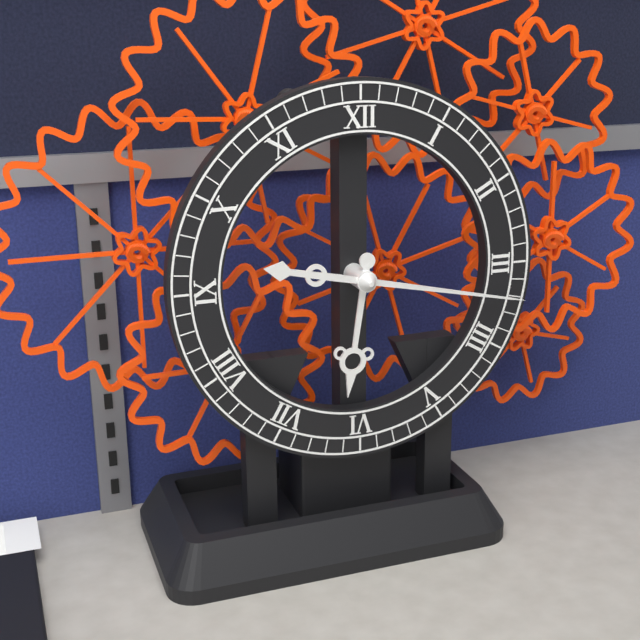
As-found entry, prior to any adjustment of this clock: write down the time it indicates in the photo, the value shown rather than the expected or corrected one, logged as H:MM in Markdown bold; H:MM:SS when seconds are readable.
**6:17**
